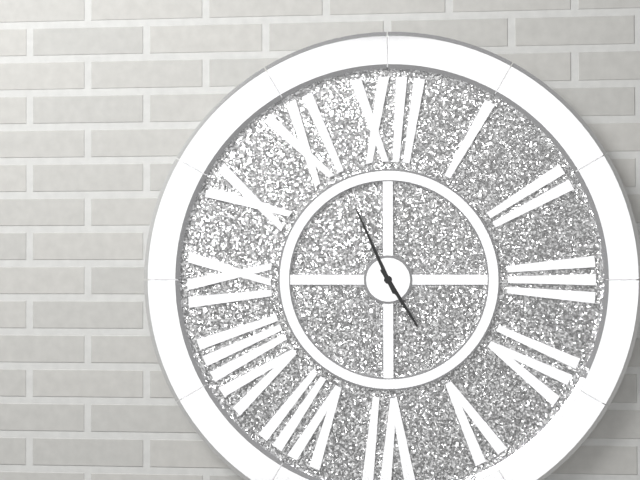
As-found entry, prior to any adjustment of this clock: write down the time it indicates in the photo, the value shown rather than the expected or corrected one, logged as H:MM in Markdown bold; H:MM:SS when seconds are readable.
**4:56**
